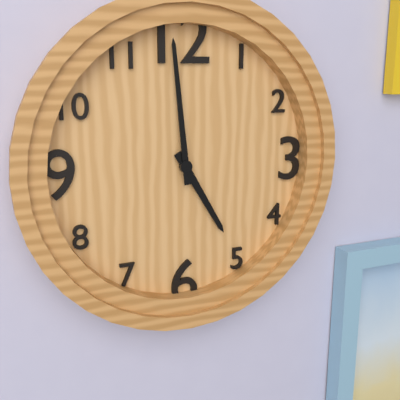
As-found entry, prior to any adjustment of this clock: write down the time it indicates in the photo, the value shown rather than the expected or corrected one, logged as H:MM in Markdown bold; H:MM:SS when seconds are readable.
**4:59**
